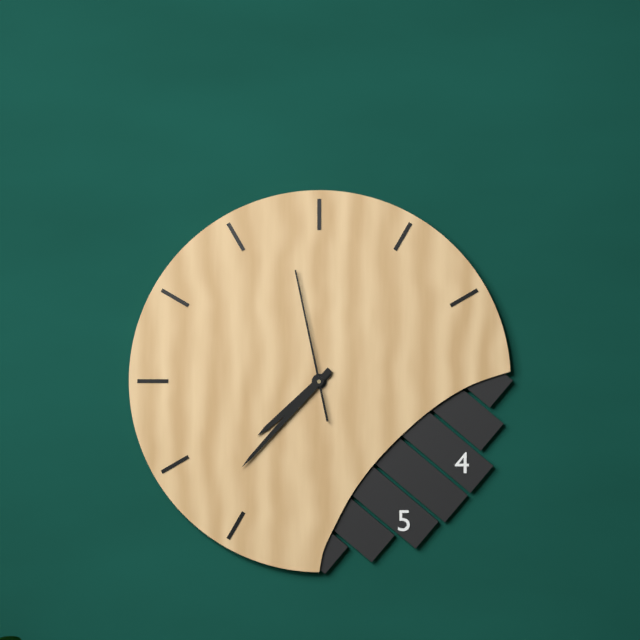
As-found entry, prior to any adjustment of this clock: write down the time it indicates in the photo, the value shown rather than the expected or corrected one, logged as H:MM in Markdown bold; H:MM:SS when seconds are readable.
**7:37:58**
